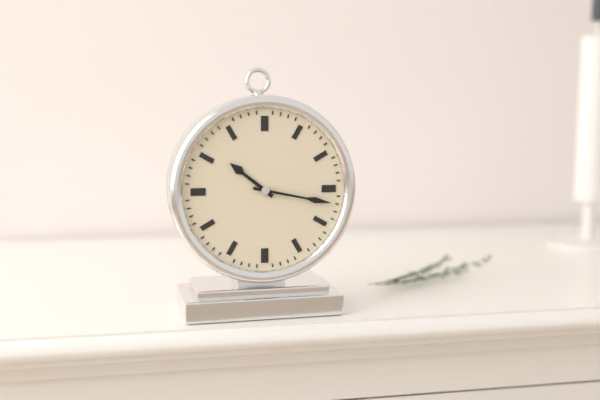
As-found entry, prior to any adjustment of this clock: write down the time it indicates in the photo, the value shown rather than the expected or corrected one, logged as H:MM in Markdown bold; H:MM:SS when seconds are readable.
**10:17**
